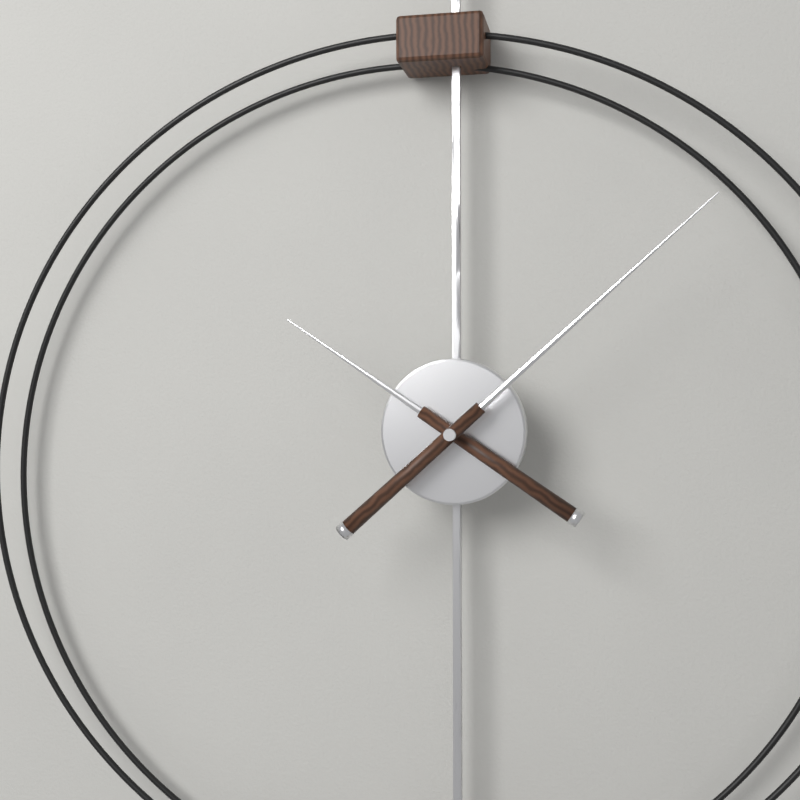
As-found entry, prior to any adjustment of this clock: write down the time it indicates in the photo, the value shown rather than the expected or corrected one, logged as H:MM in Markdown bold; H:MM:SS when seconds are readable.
**10:08**
